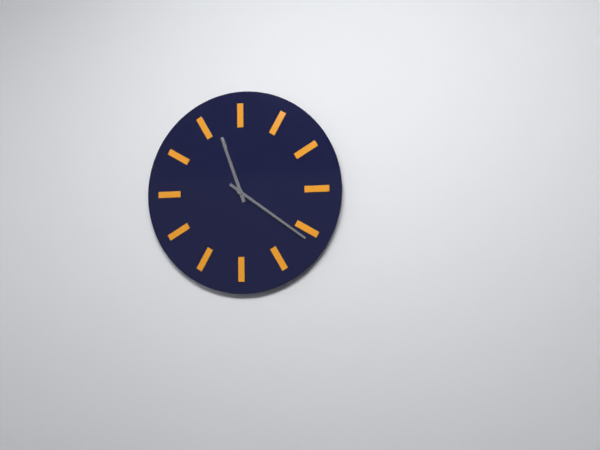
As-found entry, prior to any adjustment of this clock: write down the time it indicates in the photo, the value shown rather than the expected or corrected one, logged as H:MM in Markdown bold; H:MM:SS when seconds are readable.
**11:21**
